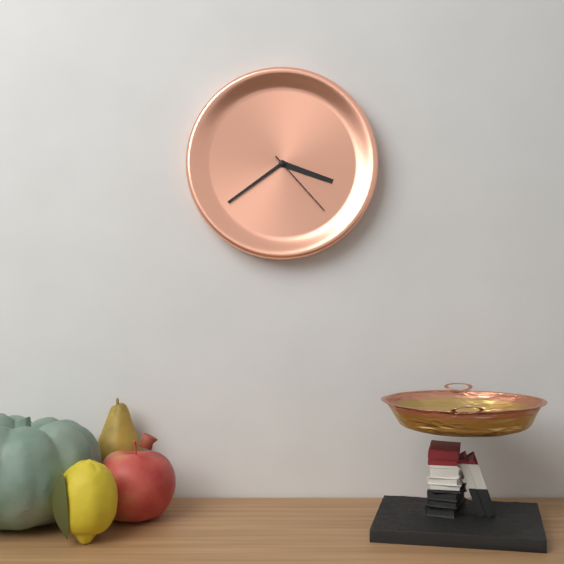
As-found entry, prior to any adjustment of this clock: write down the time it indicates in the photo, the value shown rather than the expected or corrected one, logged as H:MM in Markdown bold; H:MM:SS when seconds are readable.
**3:39:23**
